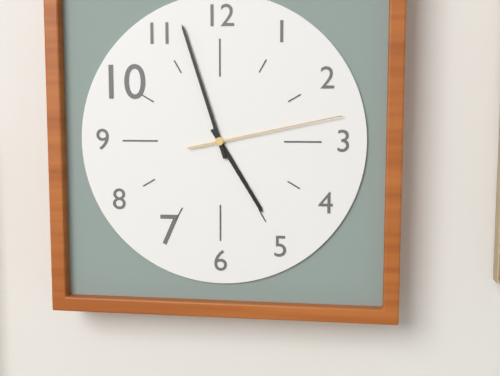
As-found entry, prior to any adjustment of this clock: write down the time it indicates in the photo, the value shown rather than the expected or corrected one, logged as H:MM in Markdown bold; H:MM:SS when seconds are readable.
**4:57:13**
